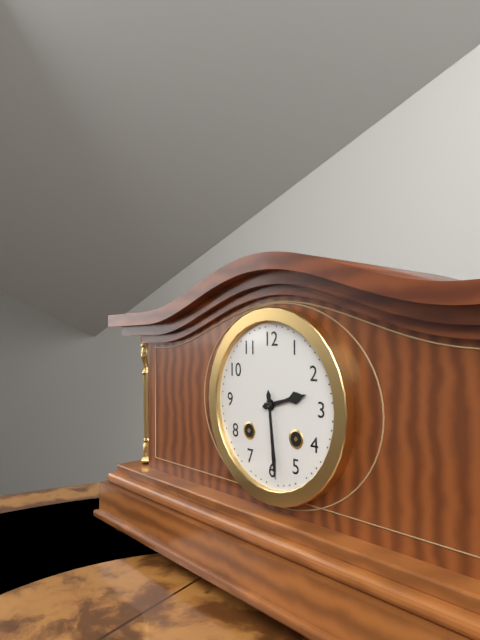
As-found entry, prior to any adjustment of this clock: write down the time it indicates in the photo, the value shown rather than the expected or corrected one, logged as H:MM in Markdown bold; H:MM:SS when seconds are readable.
**2:29**
